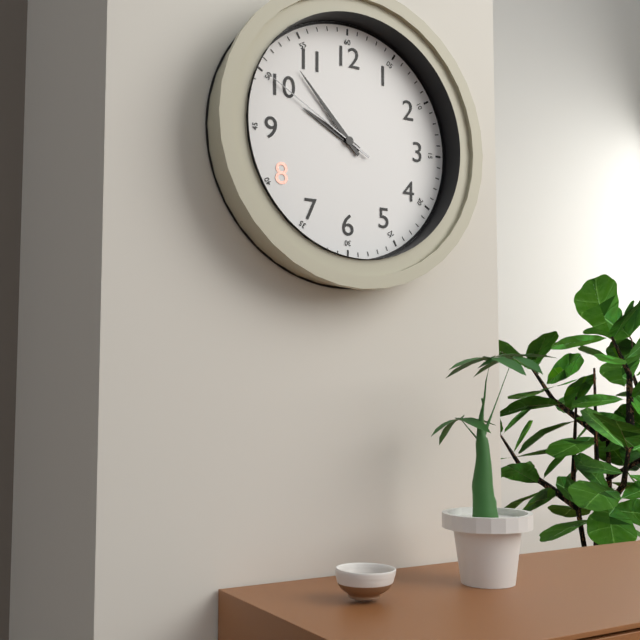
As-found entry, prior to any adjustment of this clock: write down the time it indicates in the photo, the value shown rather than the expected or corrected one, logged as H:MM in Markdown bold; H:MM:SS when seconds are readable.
**9:53:50**
